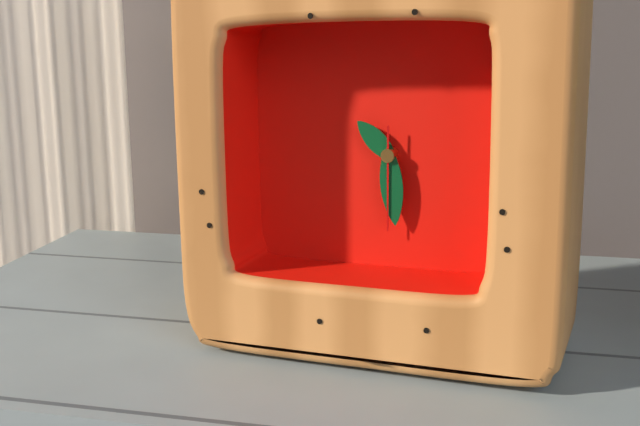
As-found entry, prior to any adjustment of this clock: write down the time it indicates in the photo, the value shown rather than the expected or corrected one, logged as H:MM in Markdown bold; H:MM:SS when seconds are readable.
**10:29:30**
